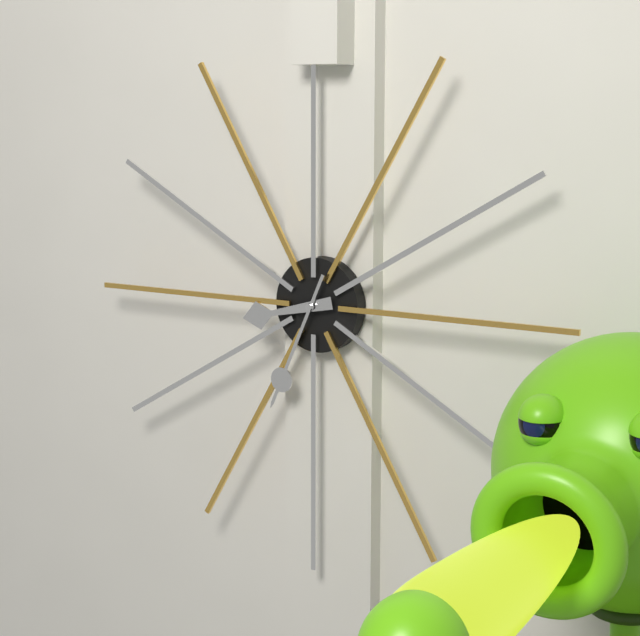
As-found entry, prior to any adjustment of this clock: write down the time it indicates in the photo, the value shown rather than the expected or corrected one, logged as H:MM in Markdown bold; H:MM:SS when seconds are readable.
**8:34**
